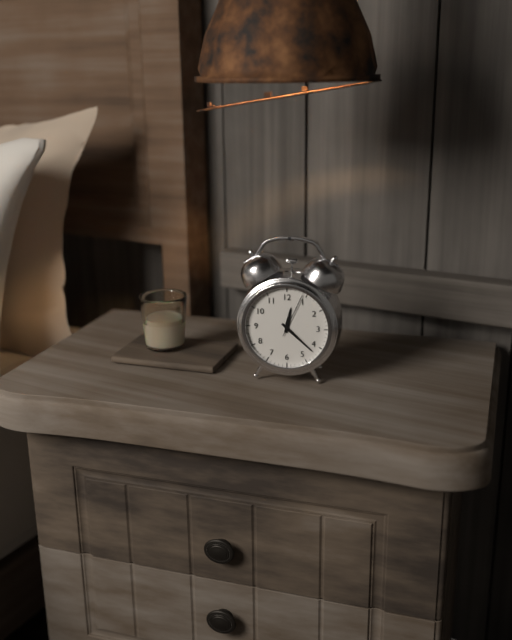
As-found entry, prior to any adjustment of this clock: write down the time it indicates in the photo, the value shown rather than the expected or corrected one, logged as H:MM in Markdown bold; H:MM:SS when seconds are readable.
**12:22**
